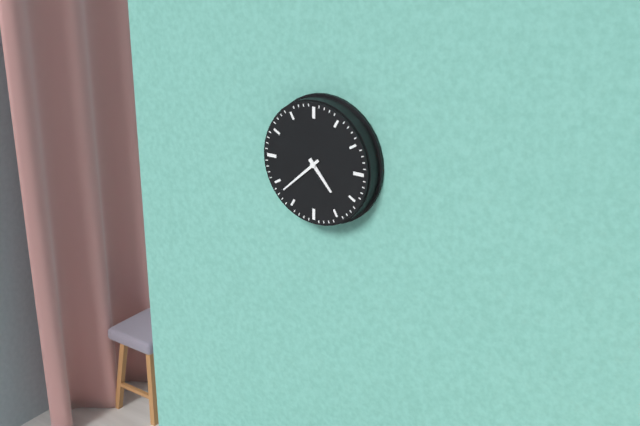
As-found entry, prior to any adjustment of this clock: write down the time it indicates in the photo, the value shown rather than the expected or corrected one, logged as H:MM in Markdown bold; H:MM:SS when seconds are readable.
**4:38**
